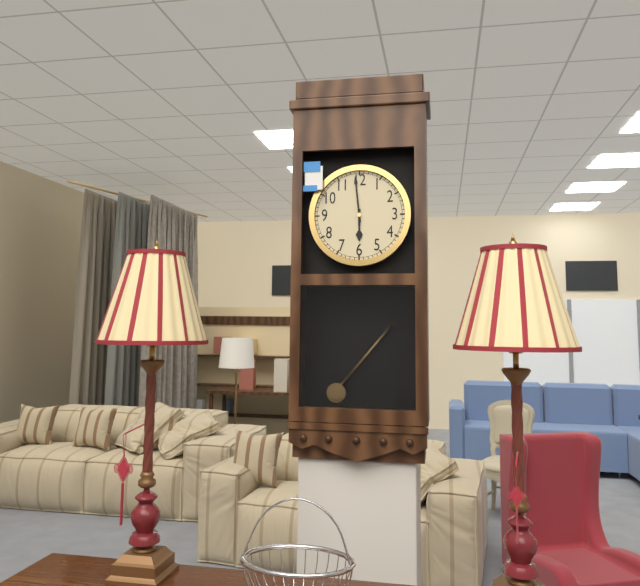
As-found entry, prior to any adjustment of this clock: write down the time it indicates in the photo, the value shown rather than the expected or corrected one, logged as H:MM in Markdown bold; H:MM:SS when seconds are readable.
**5:59**
